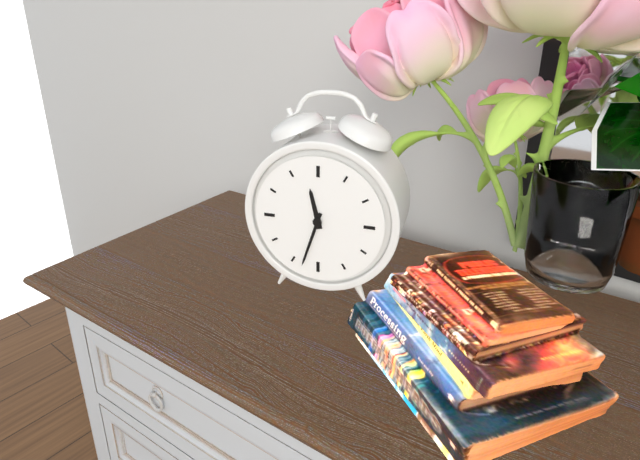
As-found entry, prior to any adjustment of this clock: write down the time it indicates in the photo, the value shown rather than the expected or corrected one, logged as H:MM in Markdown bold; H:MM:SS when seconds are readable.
**11:33**
